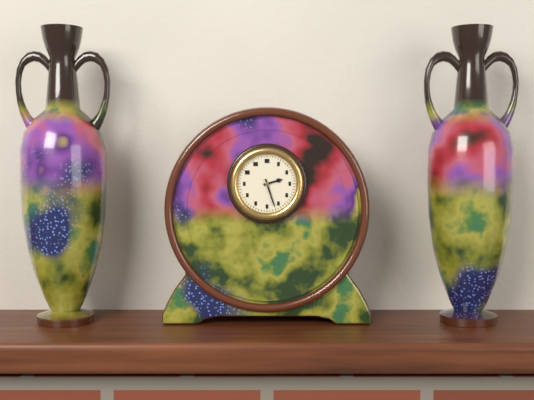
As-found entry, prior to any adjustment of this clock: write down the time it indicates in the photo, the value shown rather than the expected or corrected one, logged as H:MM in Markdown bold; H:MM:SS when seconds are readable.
**2:27**
